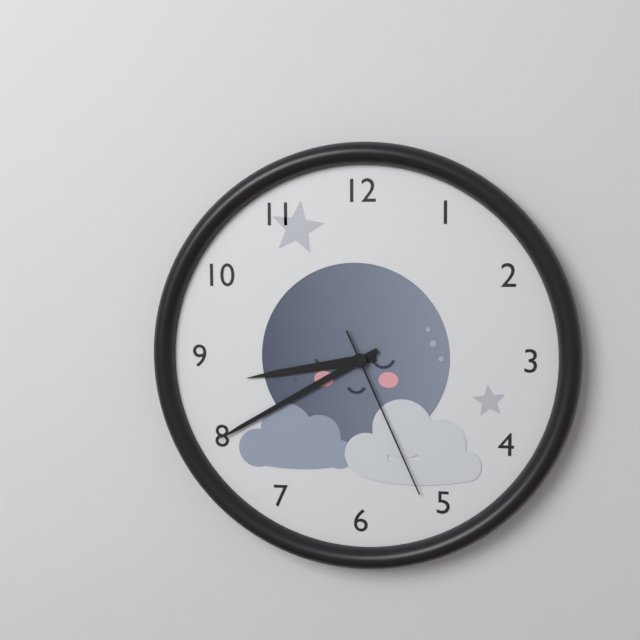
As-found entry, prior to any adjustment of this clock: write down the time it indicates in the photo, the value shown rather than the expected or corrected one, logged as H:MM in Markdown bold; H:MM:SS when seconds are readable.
**8:40:26**
